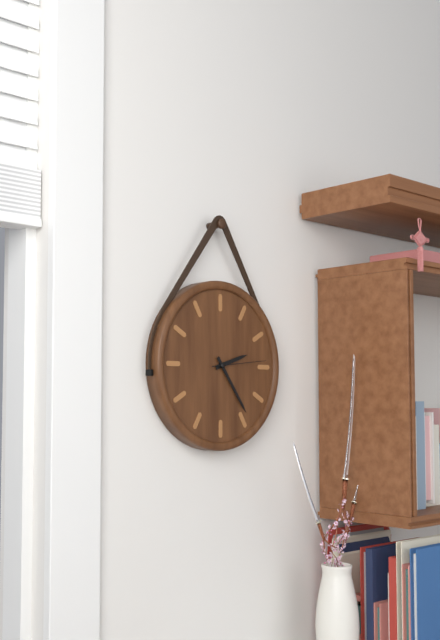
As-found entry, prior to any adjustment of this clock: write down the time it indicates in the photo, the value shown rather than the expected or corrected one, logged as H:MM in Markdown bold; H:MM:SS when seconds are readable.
**2:24:14**
